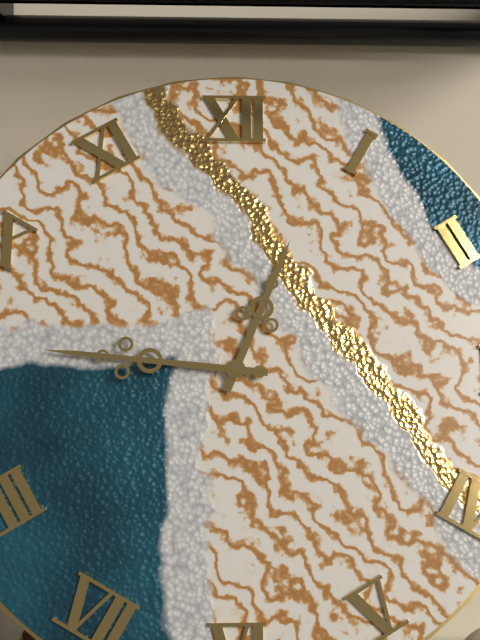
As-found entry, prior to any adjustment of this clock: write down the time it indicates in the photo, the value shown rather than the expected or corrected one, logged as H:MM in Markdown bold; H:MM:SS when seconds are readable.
**12:46**
